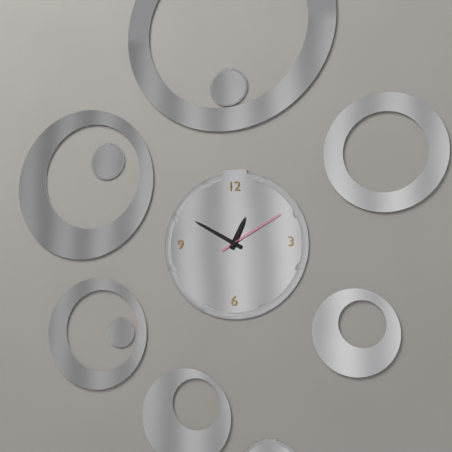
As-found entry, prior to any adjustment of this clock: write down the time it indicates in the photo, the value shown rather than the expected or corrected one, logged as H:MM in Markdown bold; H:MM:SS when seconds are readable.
**12:50:10**
